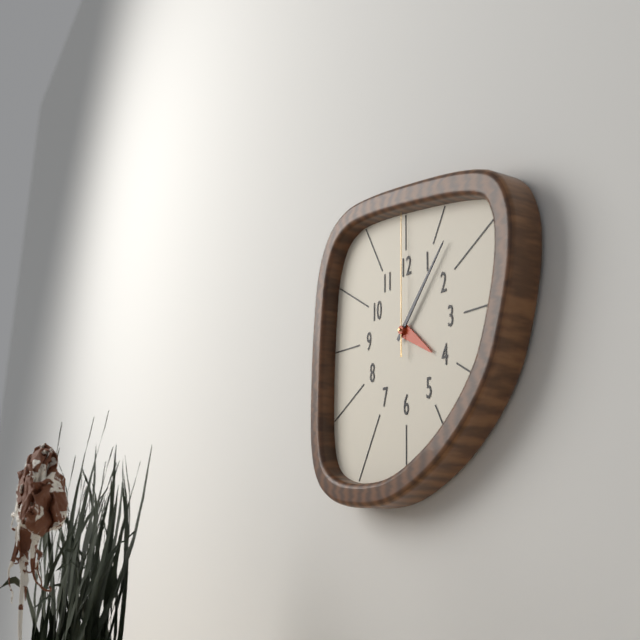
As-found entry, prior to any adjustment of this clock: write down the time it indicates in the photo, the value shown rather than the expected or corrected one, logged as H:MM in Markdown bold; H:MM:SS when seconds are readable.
**4:07:00**
